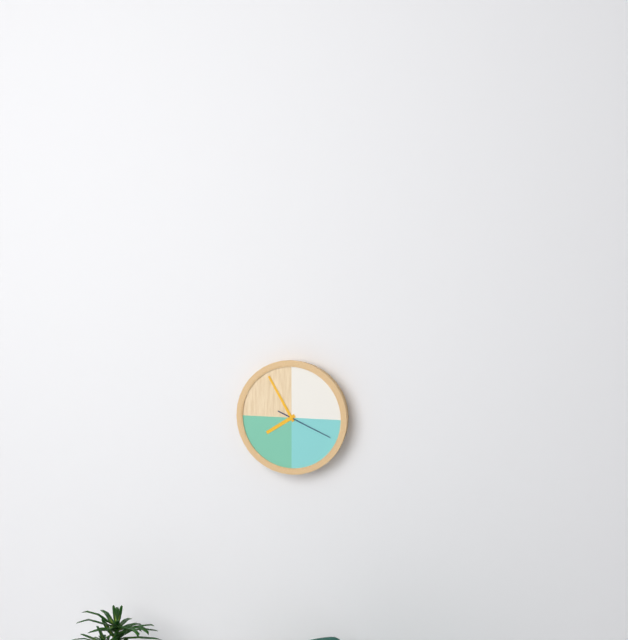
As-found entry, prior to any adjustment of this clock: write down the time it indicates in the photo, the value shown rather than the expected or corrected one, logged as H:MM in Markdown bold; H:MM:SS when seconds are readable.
**7:55:19**
